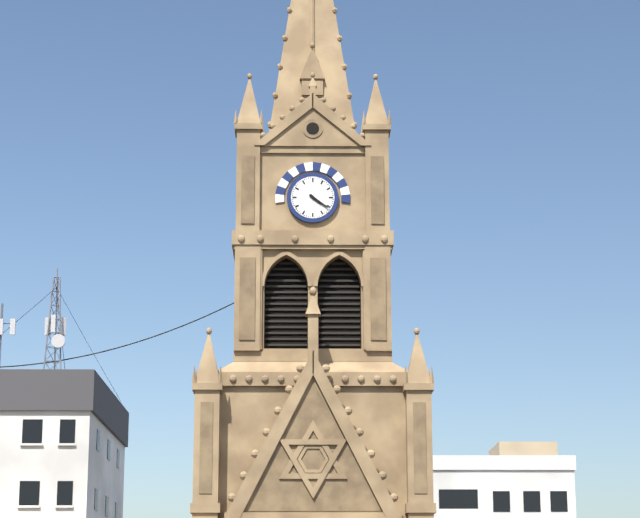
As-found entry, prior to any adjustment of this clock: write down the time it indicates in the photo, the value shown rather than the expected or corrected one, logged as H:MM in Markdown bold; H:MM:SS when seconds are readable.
**4:21**
